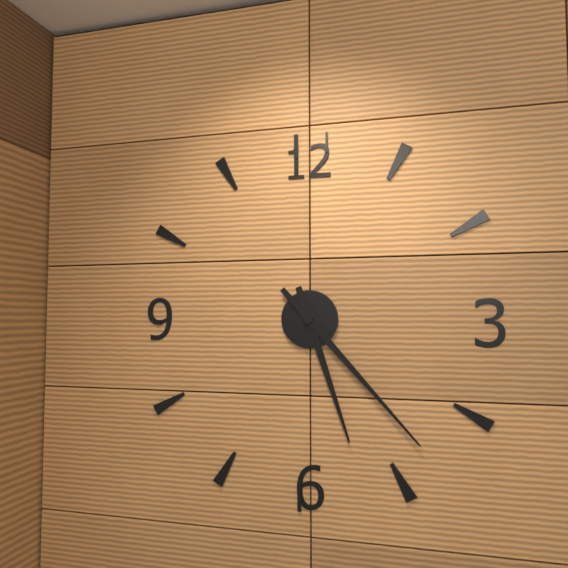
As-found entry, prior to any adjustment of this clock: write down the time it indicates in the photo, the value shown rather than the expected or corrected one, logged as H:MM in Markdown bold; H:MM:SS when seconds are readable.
**5:23**
